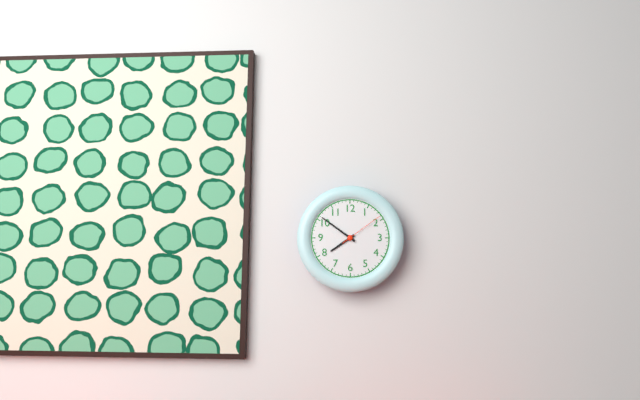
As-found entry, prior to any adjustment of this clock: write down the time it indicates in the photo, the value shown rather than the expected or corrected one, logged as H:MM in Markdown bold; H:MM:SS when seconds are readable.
**7:51**
